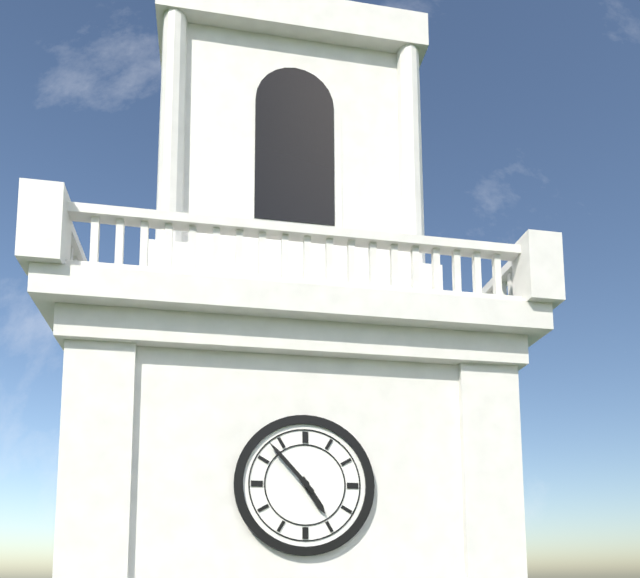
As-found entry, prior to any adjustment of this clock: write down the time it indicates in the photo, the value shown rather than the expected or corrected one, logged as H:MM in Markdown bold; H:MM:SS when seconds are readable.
**4:53**
